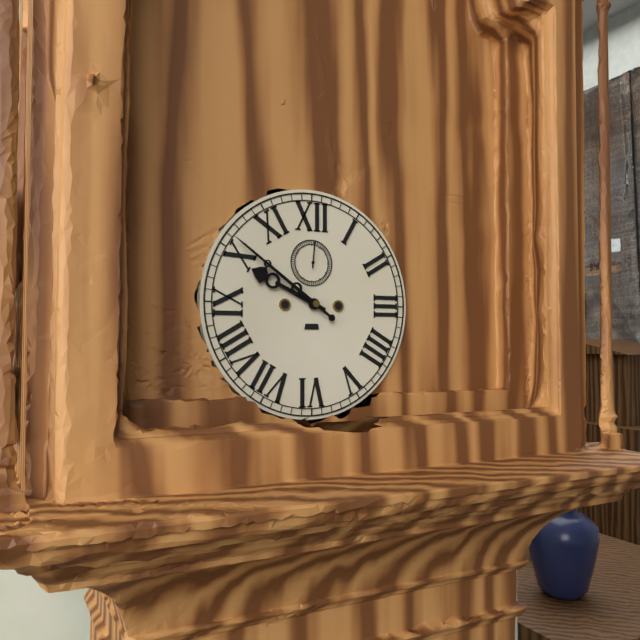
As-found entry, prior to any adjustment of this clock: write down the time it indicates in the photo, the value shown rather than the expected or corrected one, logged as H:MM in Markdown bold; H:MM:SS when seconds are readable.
**9:51**
